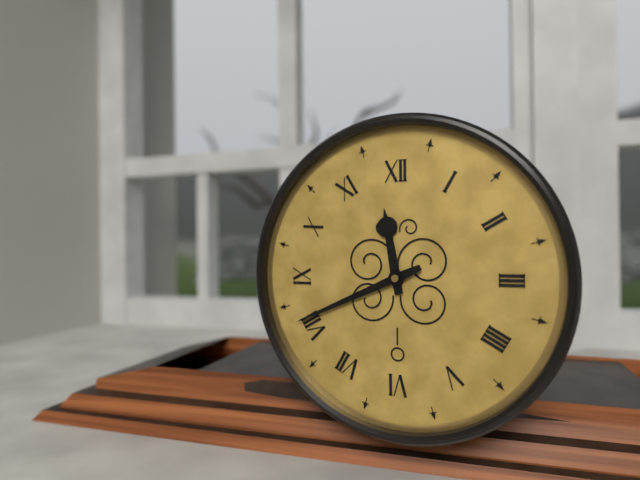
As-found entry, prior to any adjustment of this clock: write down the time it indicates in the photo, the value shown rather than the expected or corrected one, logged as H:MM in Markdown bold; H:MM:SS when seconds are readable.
**11:41**
